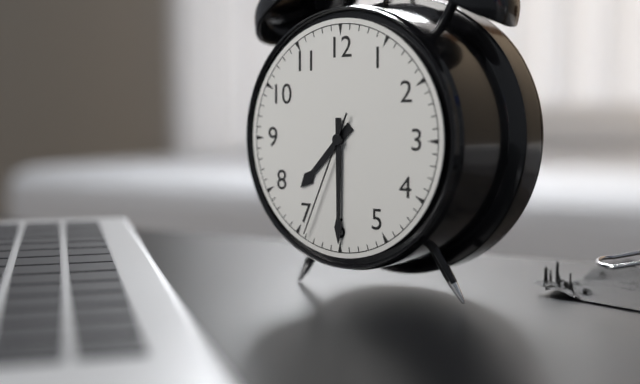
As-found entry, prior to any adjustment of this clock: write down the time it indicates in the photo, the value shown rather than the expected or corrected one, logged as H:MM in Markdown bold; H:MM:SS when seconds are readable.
**7:30:34**
